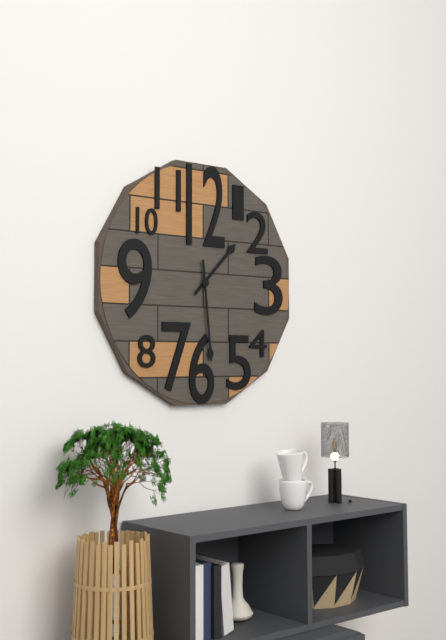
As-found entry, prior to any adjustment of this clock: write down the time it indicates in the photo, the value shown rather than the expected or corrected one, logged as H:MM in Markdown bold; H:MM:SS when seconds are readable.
**1:29**
